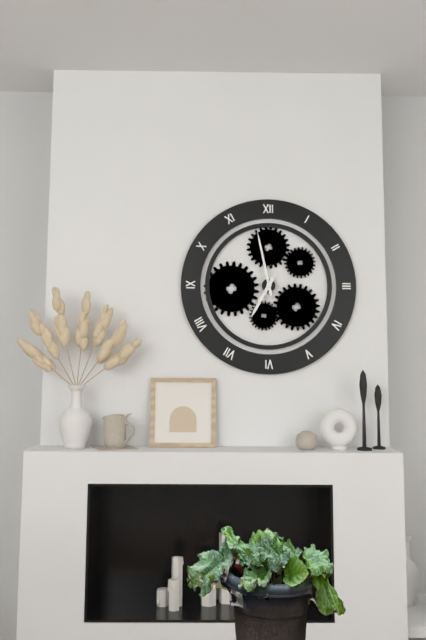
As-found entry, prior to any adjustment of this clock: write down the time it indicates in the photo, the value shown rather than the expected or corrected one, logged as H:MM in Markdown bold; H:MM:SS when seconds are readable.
**6:58**
